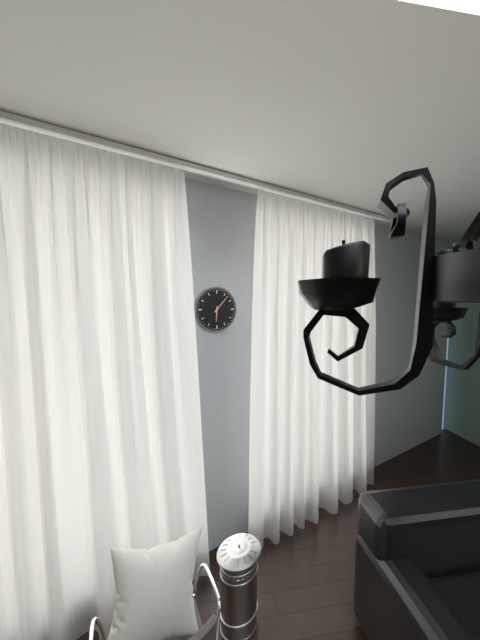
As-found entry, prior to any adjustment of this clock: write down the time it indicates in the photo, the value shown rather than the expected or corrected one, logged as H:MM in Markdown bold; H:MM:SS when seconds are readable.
**6:07**
